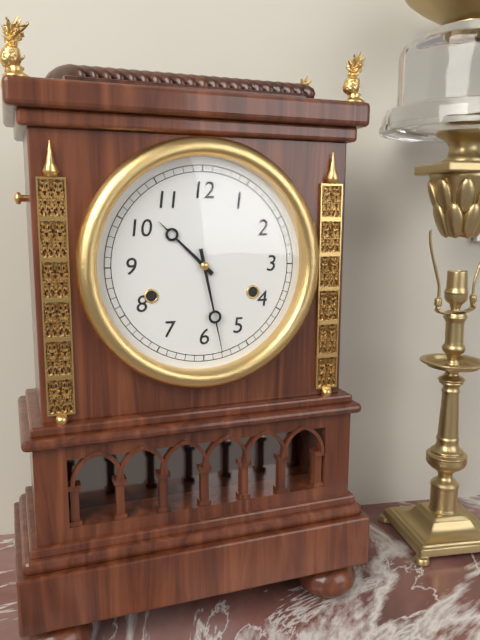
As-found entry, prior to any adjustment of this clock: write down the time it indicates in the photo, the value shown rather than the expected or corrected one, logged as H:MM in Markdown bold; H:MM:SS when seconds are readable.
**10:28**
